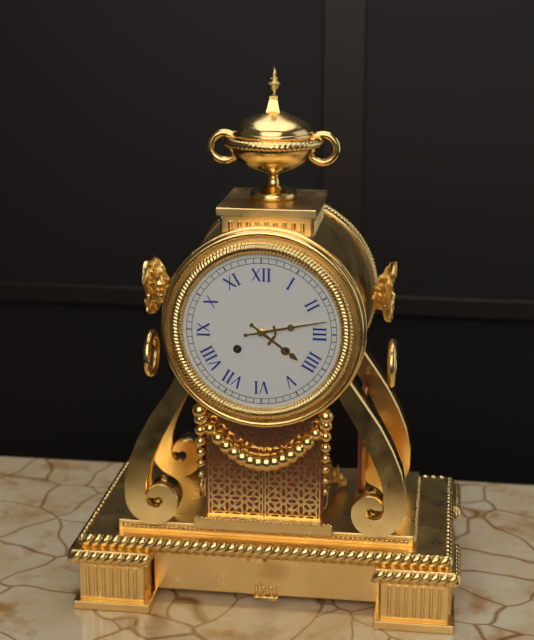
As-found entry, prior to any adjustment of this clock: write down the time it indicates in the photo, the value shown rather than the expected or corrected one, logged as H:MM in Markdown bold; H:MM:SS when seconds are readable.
**4:13**
